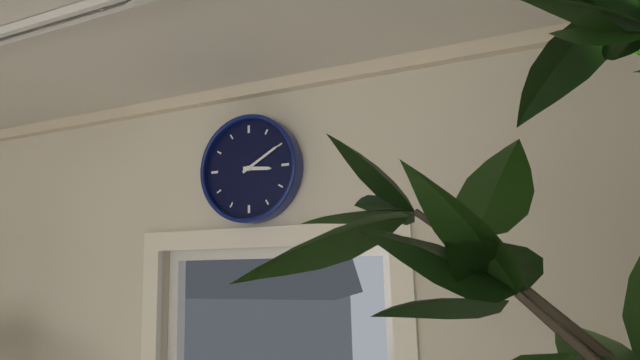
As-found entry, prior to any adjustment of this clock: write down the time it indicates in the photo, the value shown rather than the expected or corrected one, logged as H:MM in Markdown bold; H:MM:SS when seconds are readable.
**3:10**
